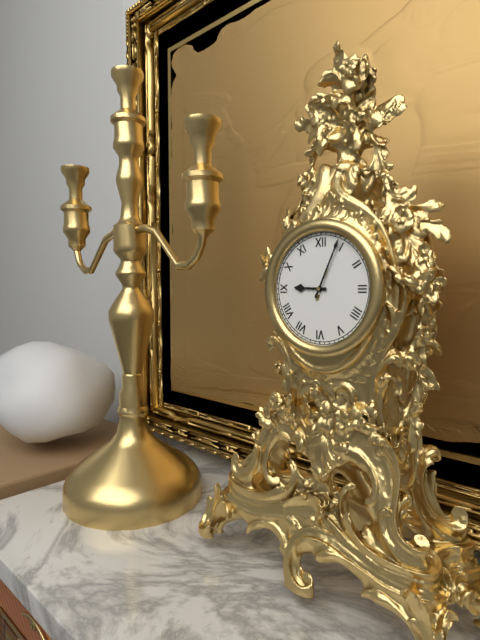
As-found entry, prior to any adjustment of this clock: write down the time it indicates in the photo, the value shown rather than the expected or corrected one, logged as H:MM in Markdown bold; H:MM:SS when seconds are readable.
**9:04**
